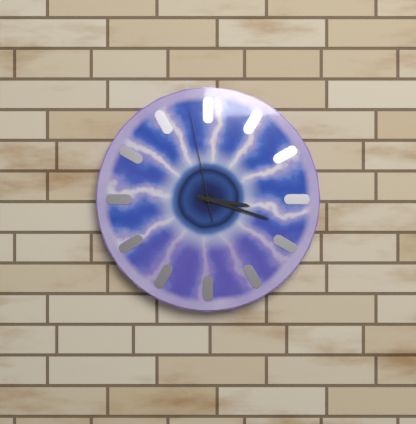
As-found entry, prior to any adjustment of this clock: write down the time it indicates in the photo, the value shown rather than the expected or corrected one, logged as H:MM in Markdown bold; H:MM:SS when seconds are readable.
**3:18:58**
